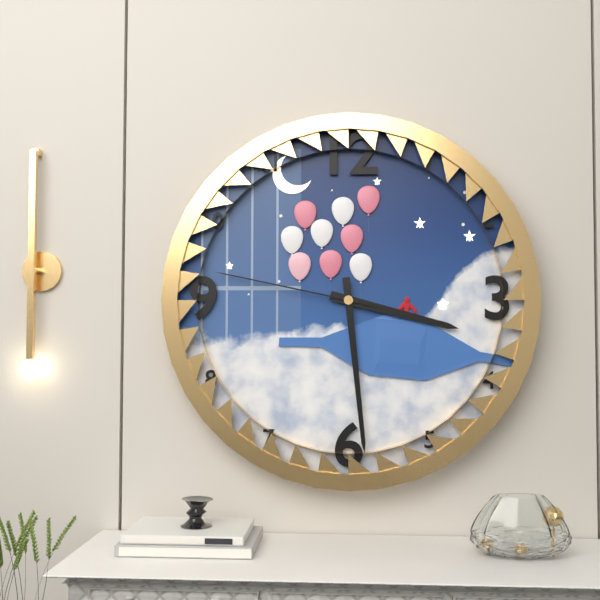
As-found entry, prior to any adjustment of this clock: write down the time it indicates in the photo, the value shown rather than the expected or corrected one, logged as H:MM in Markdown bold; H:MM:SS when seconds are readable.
**3:29:47**
